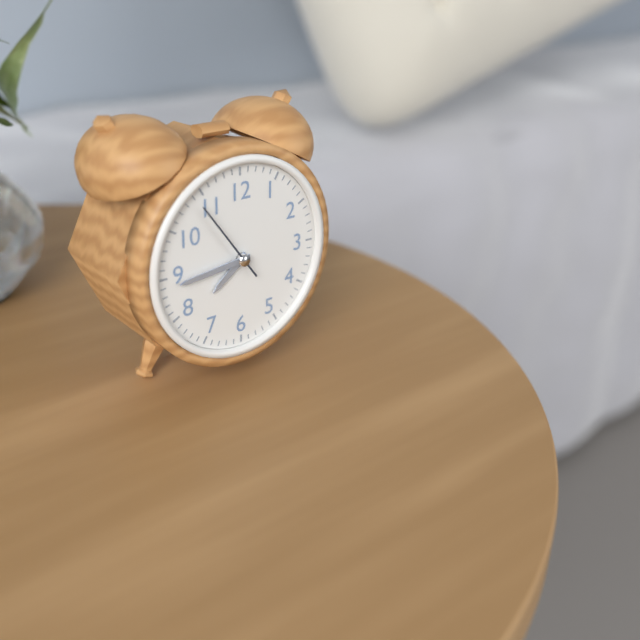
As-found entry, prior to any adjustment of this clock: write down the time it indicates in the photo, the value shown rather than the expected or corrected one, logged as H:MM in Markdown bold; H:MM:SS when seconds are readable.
**7:44:54**
